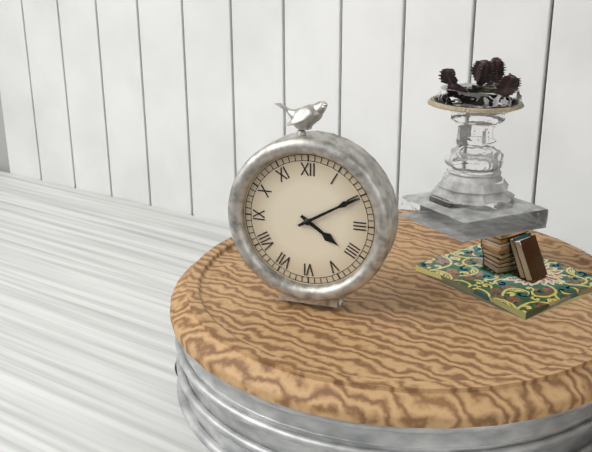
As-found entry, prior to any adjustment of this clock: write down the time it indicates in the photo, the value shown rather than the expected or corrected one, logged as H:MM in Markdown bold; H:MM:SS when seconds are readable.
**4:10**
